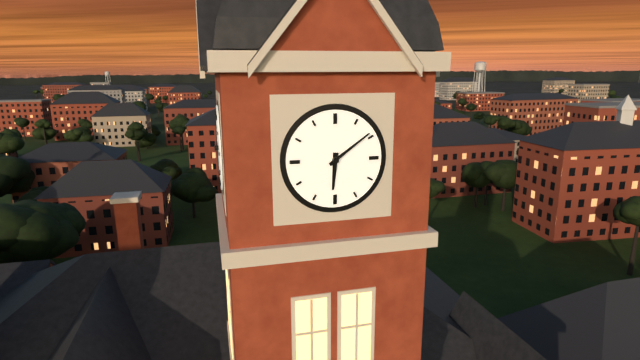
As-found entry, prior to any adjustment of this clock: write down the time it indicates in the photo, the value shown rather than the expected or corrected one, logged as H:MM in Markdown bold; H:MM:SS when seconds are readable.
**6:09**
